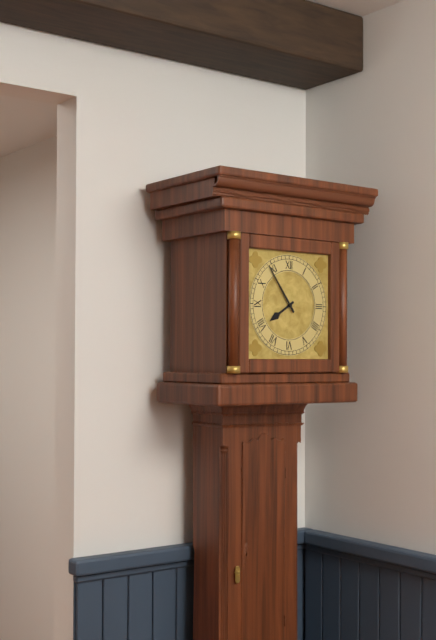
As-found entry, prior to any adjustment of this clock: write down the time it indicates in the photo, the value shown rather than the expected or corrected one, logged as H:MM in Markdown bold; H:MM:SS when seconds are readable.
**7:54**
